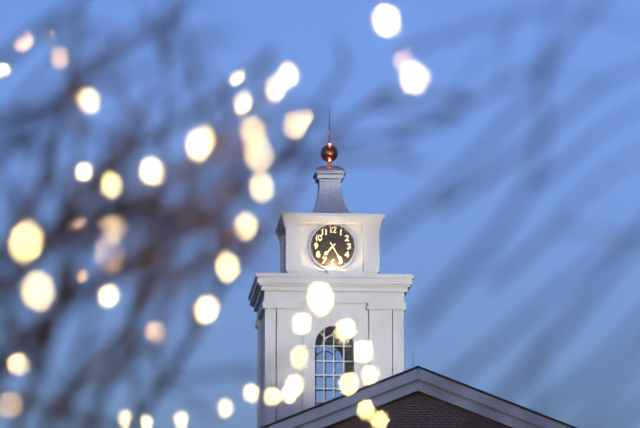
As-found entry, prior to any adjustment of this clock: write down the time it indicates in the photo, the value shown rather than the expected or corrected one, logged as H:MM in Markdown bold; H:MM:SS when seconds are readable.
**7:25**
